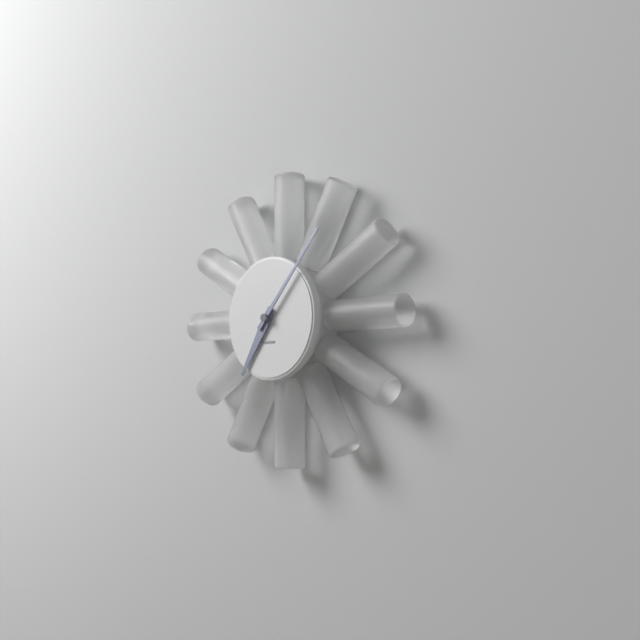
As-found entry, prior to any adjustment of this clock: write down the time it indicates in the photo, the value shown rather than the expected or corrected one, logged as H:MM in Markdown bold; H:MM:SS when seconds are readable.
**7:07**
